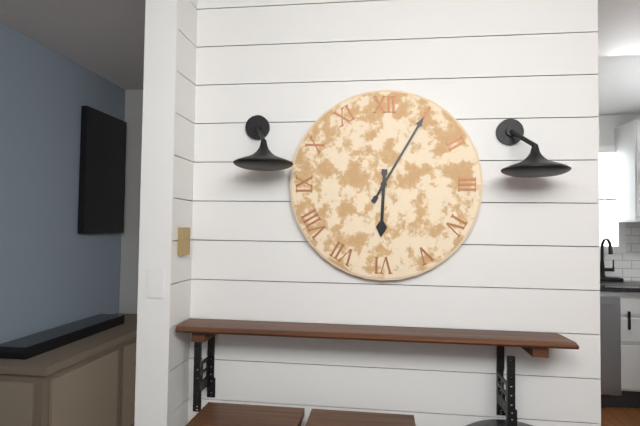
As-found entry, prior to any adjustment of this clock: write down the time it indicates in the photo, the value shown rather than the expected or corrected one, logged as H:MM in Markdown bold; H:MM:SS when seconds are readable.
**6:05**
